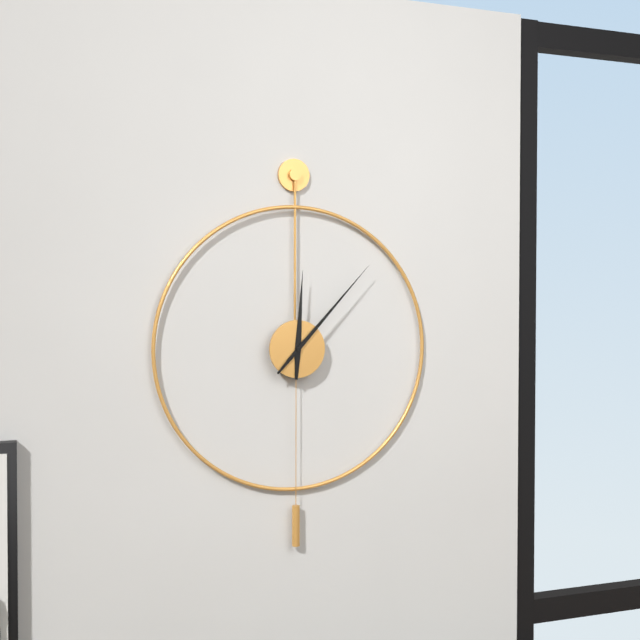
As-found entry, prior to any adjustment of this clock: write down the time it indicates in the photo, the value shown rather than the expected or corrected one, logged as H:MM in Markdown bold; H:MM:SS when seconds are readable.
**12:07**
